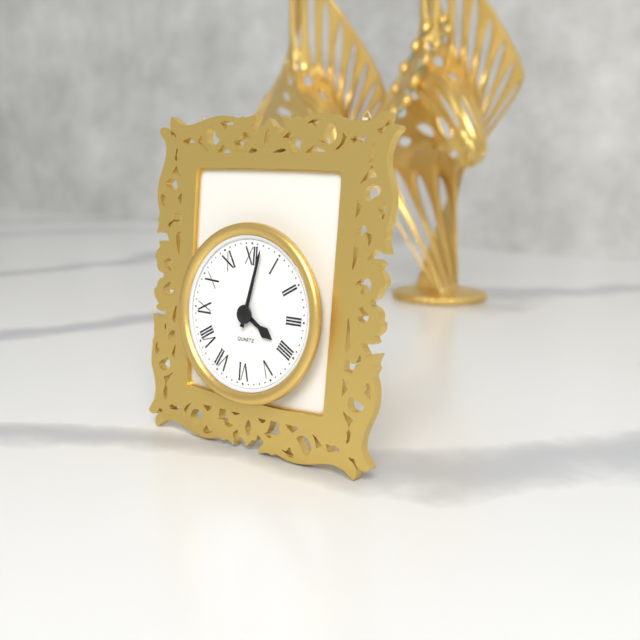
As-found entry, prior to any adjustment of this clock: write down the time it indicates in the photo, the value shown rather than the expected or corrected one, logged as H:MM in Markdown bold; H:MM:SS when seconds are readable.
**4:02**
